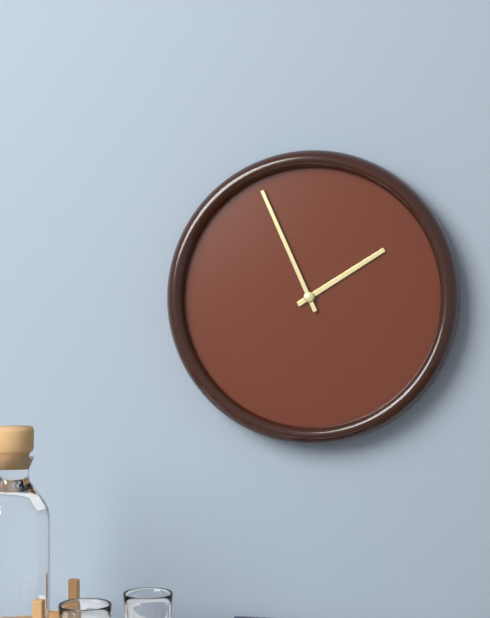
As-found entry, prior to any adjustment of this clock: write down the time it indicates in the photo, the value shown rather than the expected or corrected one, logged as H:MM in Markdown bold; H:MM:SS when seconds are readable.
**1:56**
